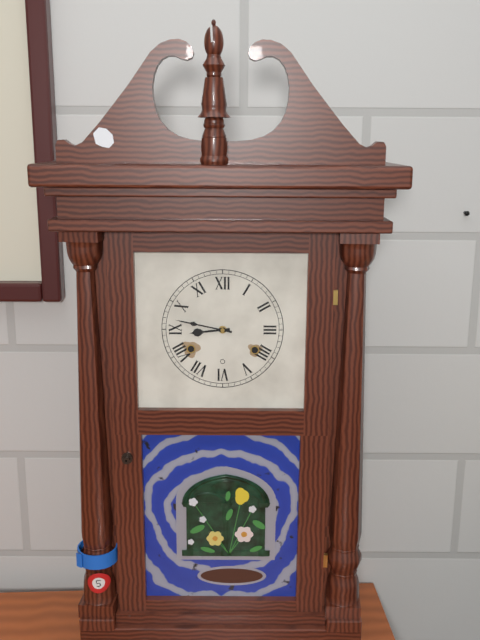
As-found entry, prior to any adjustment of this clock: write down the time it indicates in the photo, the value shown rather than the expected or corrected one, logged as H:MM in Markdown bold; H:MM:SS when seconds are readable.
**8:47**
